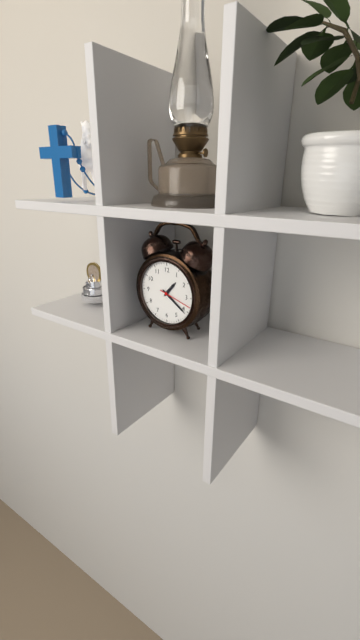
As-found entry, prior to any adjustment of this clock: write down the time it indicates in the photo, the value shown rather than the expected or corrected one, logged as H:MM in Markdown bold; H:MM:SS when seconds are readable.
**1:21**
